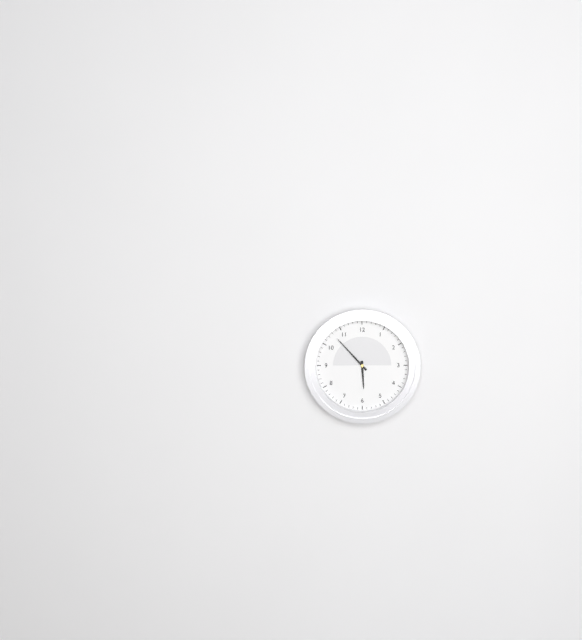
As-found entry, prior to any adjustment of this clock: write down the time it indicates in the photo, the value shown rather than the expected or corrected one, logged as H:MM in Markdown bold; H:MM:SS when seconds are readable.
**5:53**
